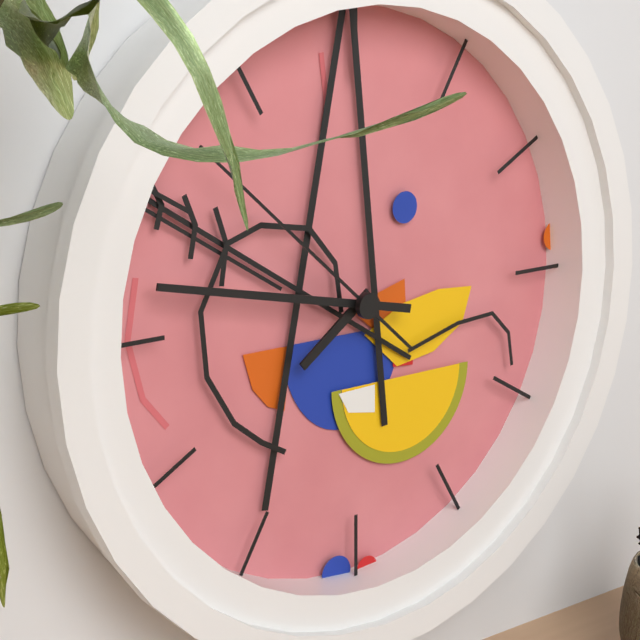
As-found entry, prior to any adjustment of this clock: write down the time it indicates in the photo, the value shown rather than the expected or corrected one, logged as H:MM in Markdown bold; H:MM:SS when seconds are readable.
**7:47:52**
